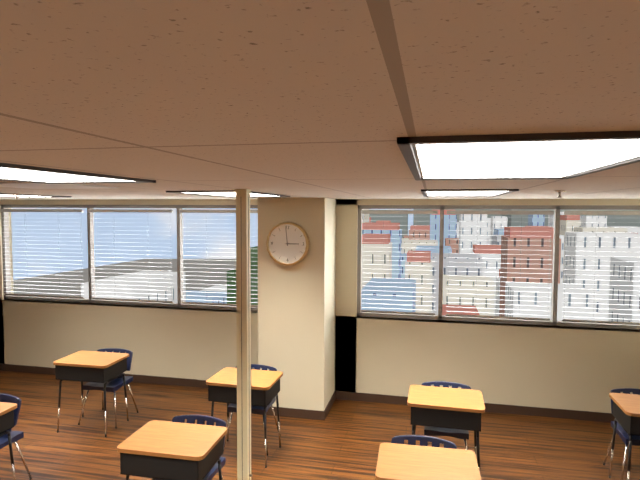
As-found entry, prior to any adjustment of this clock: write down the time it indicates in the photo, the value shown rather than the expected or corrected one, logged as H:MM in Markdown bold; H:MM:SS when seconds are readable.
**2:59**
